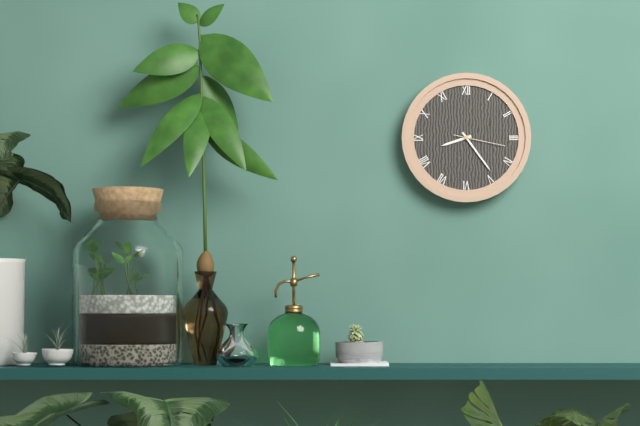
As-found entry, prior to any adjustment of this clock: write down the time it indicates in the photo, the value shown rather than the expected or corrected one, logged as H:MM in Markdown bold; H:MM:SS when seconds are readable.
**8:24**
